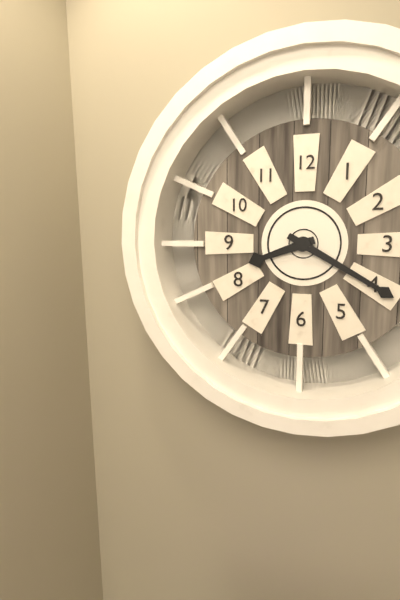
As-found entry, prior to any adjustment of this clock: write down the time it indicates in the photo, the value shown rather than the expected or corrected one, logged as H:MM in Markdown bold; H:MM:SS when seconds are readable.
**8:20**
